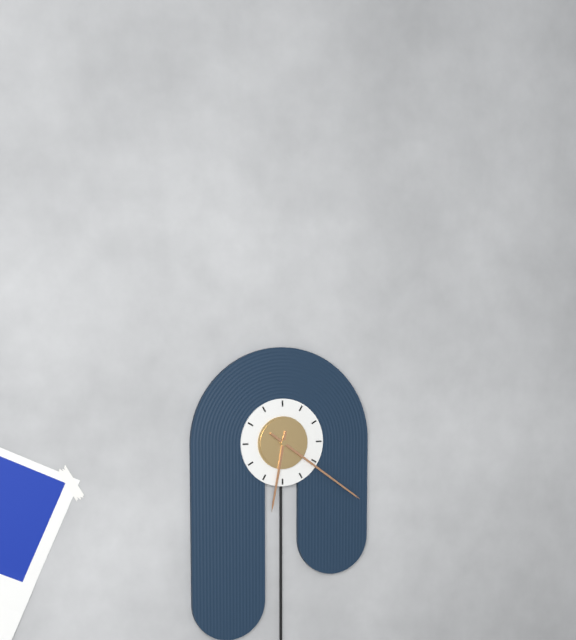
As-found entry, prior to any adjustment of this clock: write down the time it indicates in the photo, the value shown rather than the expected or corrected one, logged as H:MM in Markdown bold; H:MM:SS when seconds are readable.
**6:21**
